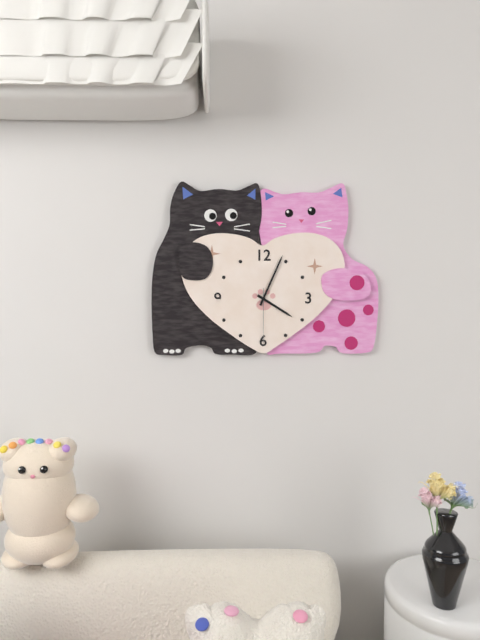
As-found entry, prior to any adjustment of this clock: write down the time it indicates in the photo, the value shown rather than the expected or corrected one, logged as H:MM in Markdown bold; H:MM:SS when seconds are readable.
**4:04:30**
